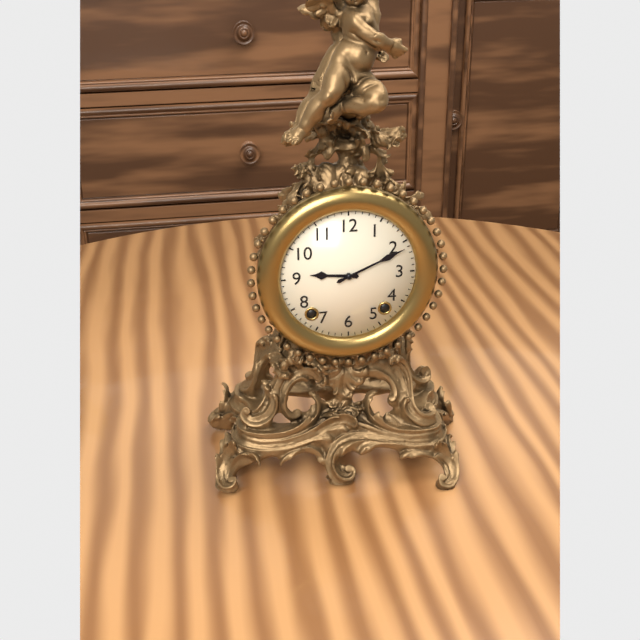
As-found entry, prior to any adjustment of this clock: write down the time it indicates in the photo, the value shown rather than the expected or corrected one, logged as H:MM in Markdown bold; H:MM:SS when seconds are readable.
**9:11**
